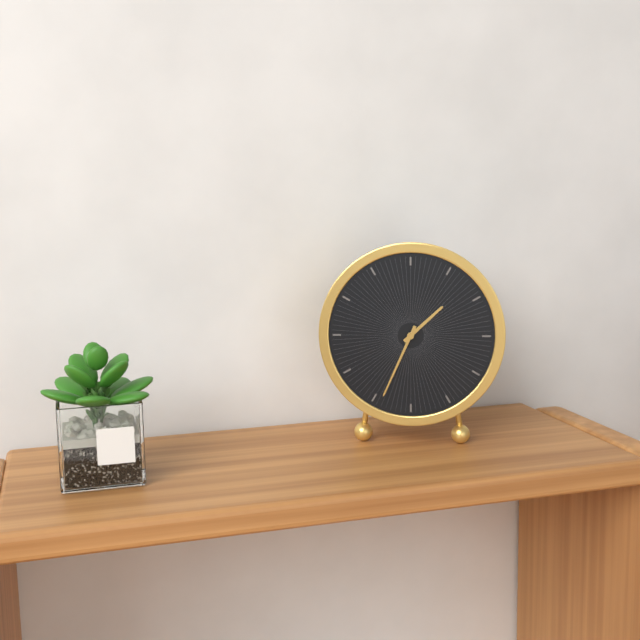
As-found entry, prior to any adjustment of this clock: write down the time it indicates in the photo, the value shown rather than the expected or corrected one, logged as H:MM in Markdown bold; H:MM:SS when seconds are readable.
**1:34**
